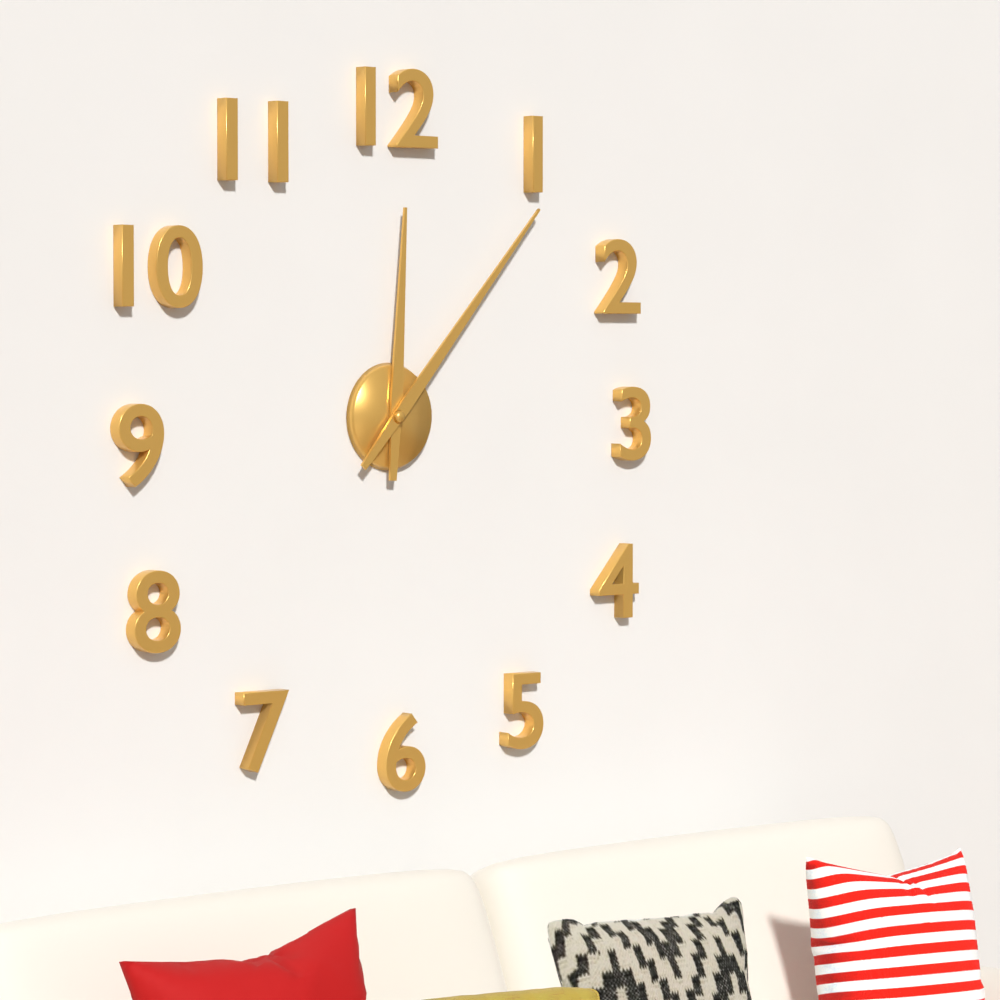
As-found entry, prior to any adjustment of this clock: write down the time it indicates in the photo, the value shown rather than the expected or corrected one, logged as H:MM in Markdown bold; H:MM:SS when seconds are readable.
**12:07**
